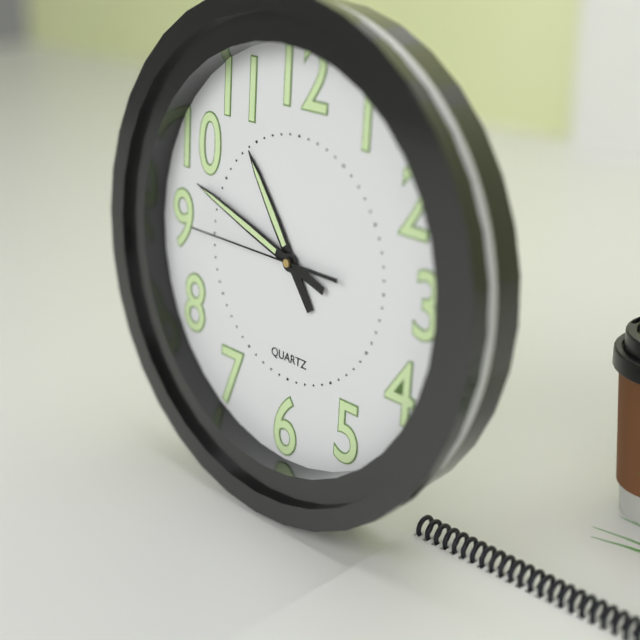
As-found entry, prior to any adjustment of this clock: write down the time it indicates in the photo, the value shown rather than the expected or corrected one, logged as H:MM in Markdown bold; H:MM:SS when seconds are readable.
**10:48:45**
